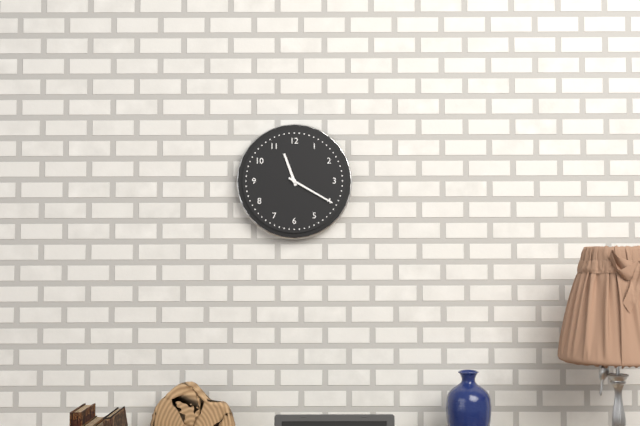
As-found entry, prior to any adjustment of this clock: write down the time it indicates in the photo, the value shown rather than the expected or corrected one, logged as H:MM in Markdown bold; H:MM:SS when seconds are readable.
**11:20**
